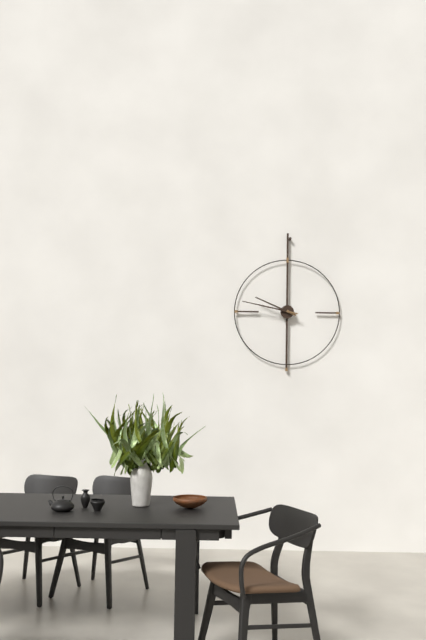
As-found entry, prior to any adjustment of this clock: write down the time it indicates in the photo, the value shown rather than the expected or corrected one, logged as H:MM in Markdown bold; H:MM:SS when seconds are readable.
**9:47**
